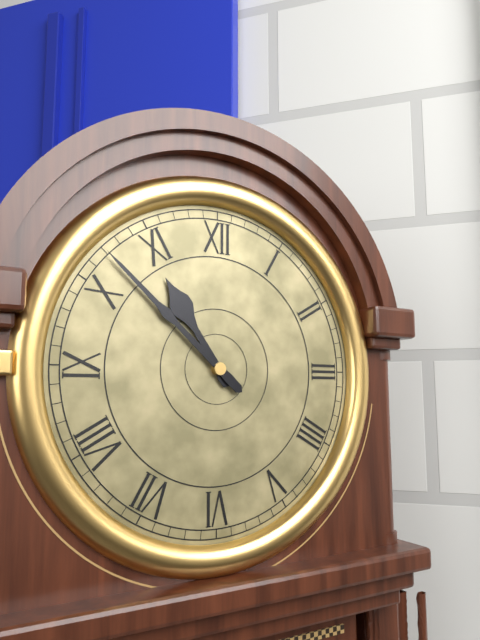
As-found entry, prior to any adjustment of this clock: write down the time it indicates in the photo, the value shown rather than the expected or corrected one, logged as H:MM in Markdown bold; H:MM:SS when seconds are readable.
**10:52**
